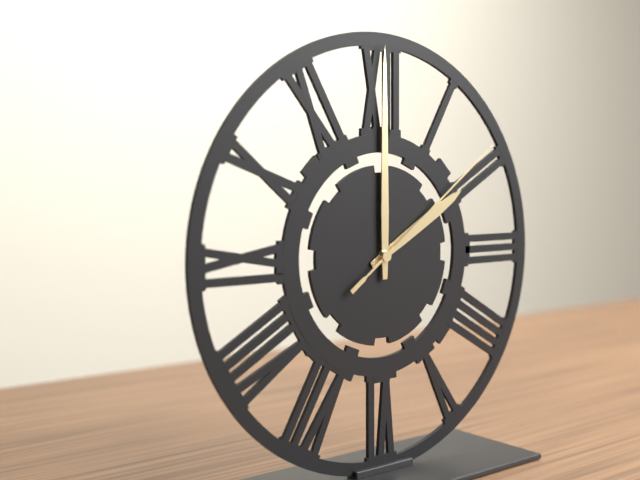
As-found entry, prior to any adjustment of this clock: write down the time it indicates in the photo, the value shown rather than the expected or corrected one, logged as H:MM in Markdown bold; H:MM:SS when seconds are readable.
**2:00:09**
